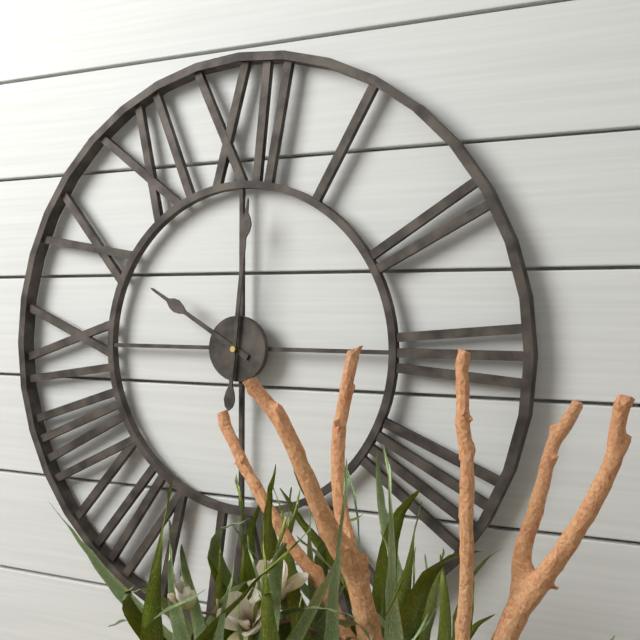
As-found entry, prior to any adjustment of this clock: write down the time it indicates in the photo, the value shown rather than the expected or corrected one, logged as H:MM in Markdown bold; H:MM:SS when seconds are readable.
**10:01**
